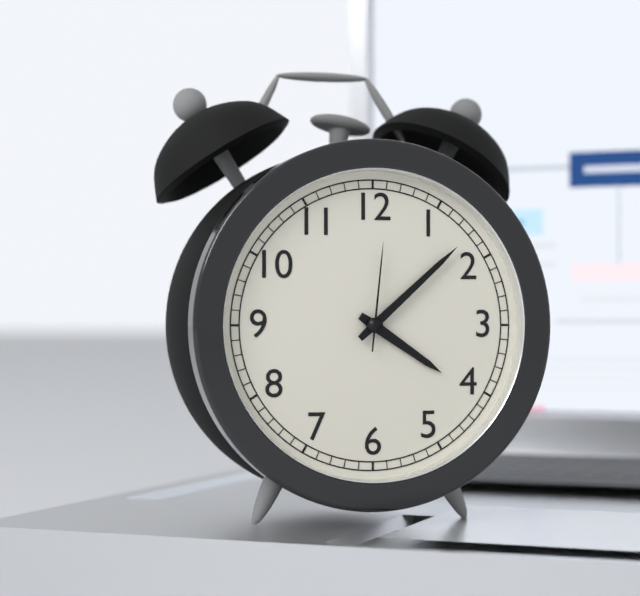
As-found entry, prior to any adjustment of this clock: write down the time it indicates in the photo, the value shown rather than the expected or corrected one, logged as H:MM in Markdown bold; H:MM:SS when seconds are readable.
**4:08:01**
